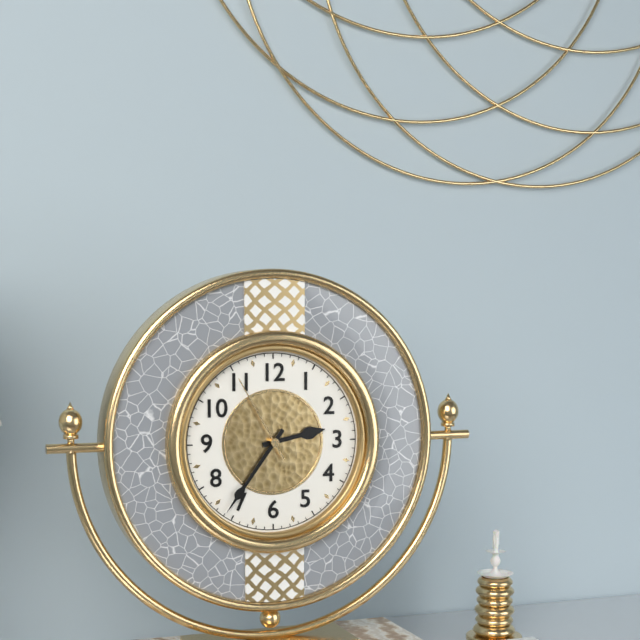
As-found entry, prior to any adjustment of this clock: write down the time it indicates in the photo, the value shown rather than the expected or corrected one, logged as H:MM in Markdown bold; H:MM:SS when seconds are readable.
**2:36:55**
